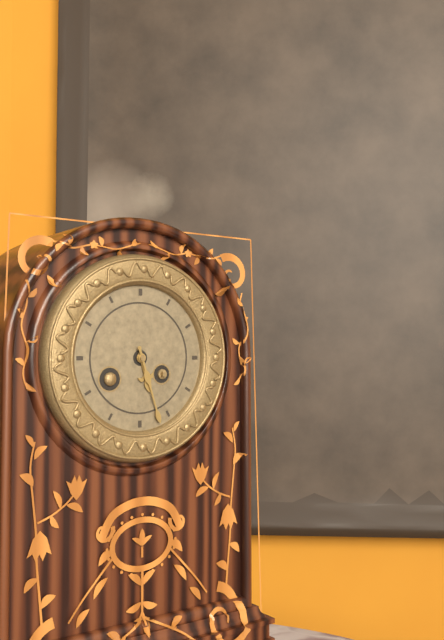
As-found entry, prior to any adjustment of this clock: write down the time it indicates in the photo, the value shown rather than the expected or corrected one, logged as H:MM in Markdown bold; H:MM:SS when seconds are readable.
**5:27**
